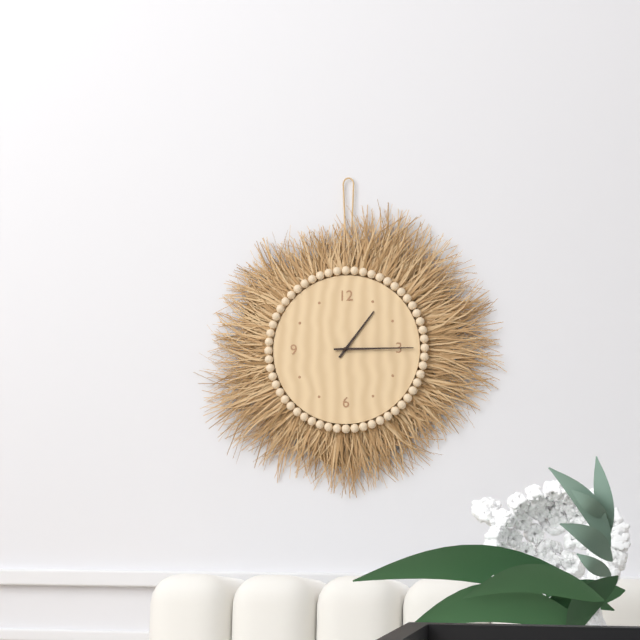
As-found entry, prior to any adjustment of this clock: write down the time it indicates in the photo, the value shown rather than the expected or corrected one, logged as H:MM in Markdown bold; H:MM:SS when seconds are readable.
**1:15**
